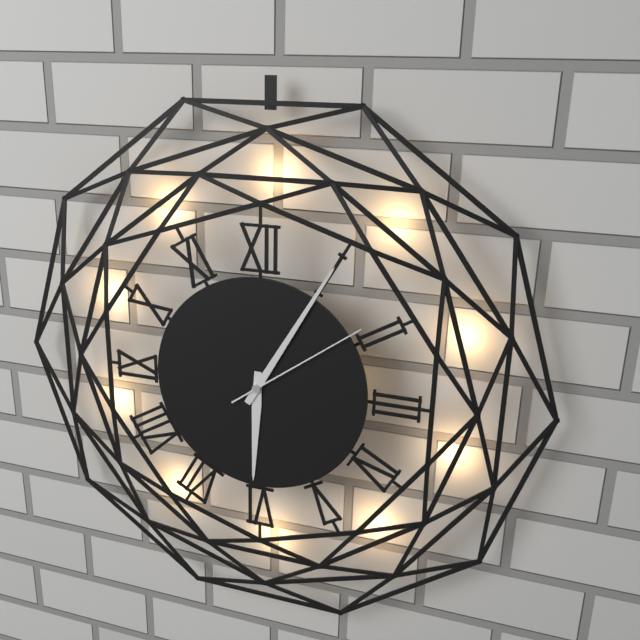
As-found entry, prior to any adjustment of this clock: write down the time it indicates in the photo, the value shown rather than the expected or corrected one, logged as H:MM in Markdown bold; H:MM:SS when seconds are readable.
**6:05:09**
